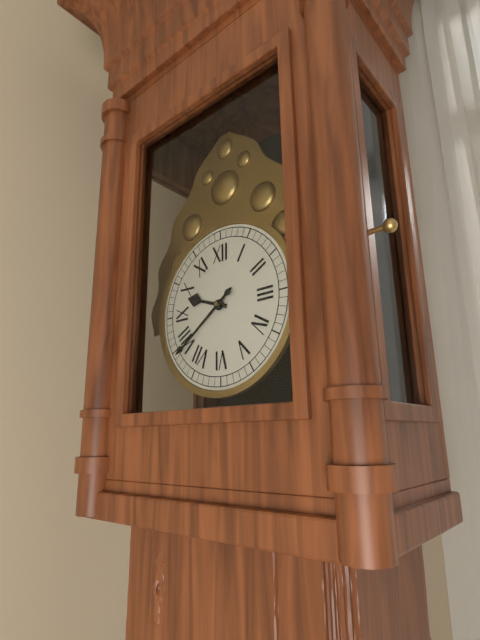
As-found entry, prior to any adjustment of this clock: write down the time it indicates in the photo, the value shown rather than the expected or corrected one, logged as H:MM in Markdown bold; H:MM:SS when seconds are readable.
**9:39**
